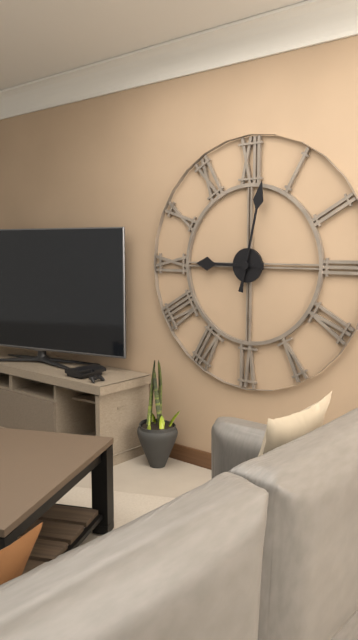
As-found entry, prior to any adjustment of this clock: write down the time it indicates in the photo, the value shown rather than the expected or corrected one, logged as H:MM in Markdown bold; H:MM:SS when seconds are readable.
**9:02**
